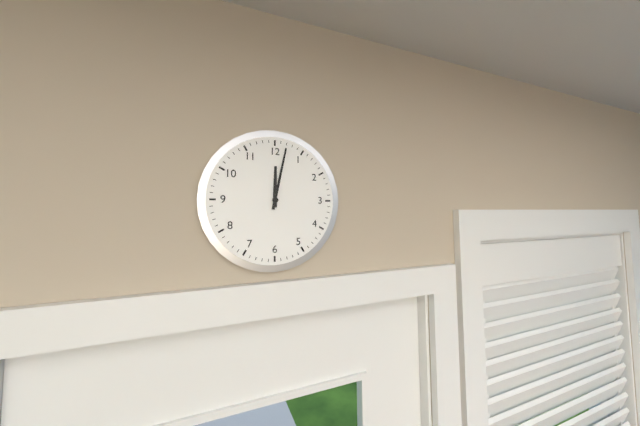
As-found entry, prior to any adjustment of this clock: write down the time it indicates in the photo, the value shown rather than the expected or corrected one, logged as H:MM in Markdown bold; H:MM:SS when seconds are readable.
**12:02**
